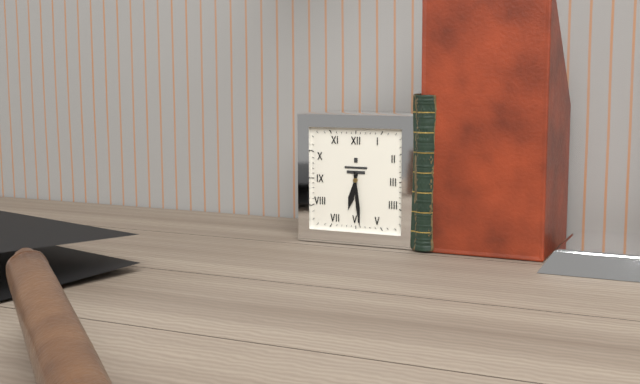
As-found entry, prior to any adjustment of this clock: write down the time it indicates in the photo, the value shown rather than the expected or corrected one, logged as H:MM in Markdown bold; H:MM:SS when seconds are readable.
**6:29**
